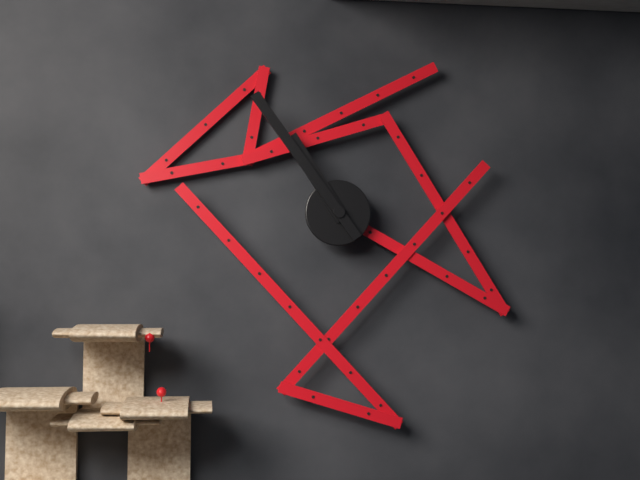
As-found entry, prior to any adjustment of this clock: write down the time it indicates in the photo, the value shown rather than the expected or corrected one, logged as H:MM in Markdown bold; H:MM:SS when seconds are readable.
**10:54**
